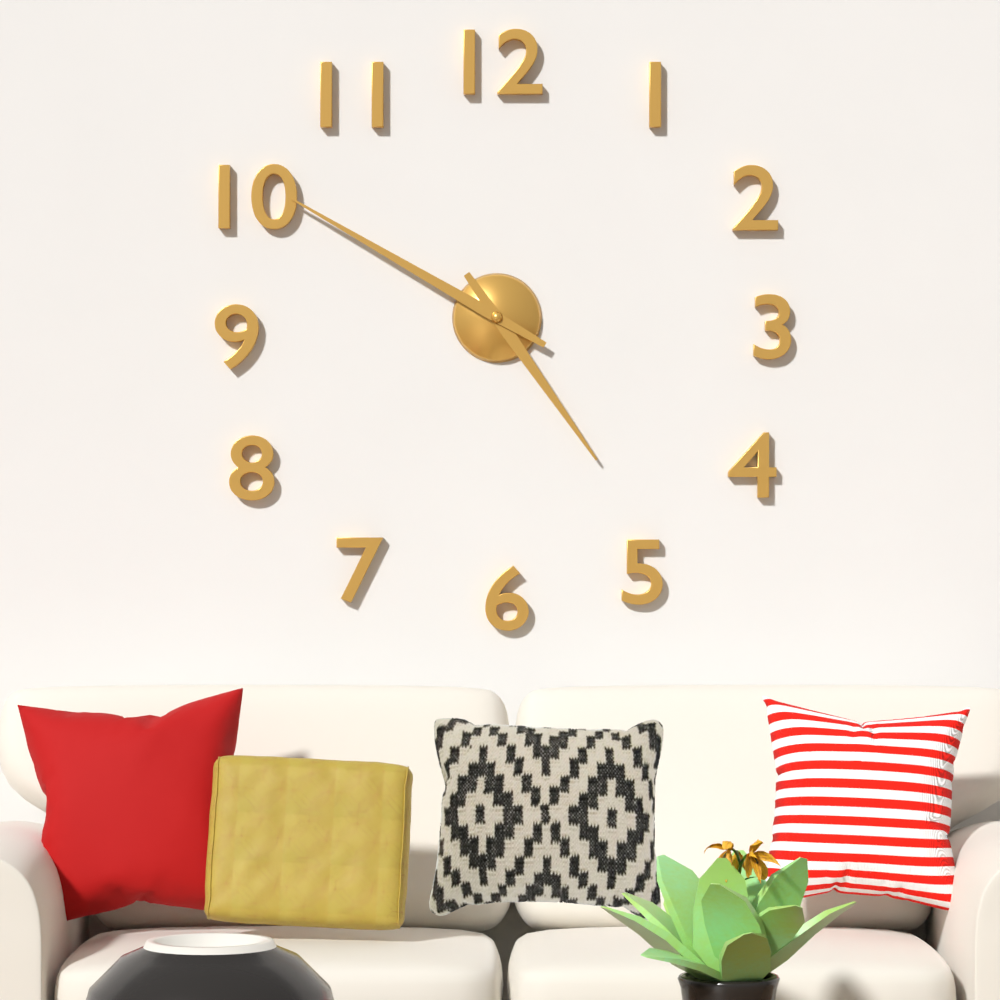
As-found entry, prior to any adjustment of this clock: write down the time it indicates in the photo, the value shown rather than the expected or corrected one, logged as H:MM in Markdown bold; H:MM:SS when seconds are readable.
**4:50**
